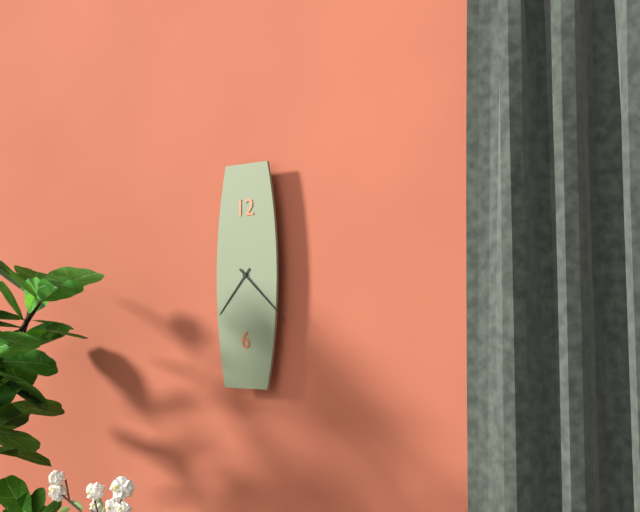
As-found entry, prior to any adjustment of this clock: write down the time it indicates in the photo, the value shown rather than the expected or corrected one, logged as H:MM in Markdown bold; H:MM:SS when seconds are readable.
**7:22**
